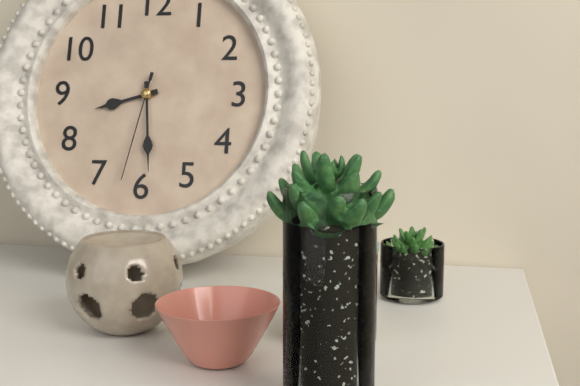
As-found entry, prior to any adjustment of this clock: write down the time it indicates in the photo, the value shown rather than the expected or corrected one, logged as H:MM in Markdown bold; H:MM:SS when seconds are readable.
**8:29:32**
